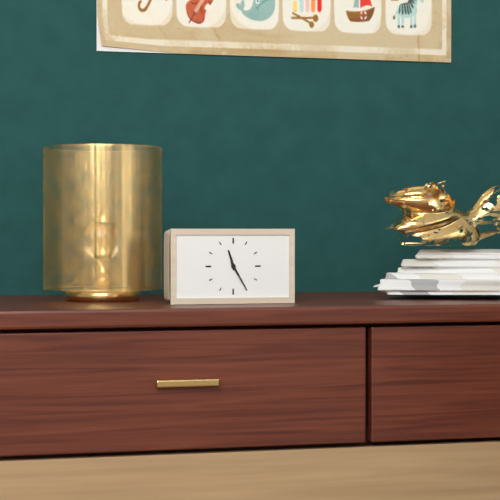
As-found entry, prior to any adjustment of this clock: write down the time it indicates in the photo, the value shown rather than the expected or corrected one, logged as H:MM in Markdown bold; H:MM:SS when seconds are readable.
**11:25**
